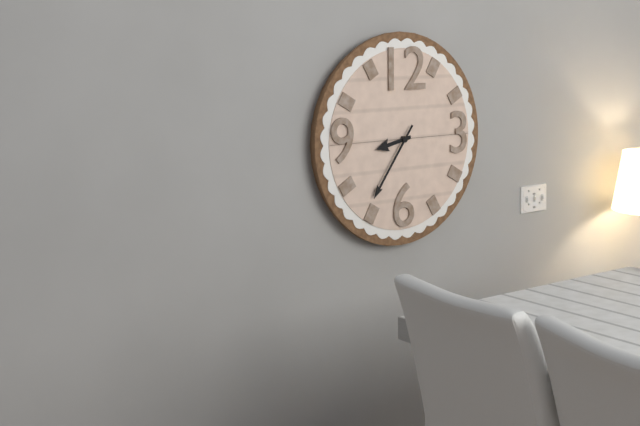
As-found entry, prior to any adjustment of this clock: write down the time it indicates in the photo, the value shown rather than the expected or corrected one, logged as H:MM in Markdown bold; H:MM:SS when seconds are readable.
**8:36**
